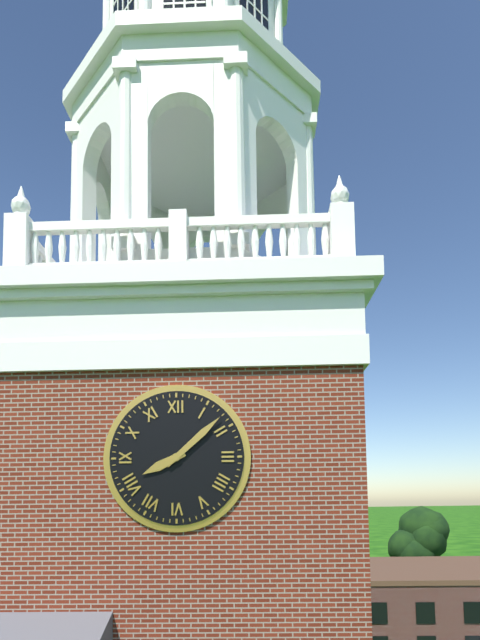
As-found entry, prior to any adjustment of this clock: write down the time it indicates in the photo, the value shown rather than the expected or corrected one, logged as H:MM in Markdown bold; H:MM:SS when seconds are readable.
**8:08**
